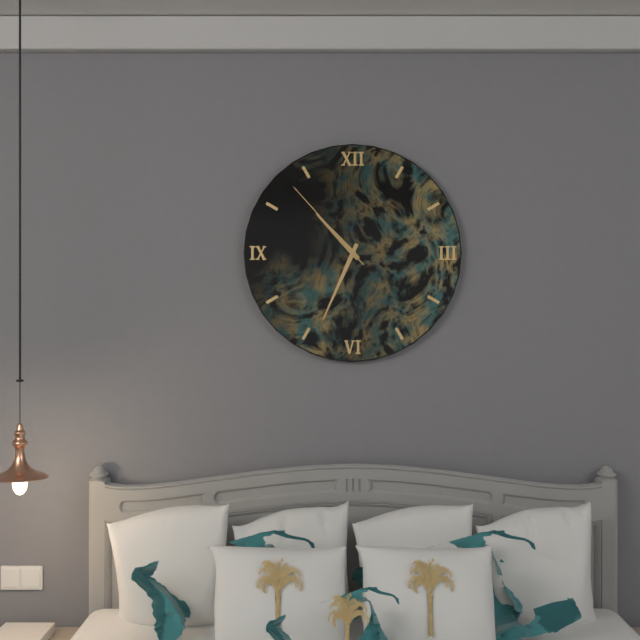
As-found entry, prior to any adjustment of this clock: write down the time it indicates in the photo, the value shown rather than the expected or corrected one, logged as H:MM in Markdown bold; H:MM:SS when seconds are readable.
**10:34:53**
